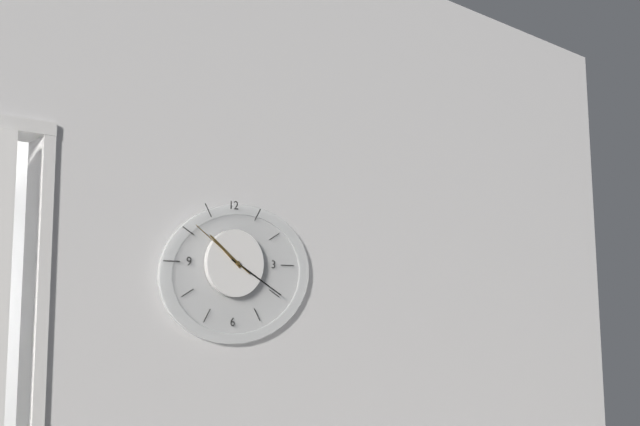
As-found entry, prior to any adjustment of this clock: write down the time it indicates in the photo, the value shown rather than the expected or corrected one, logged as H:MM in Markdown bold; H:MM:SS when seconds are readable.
**10:20:51**
